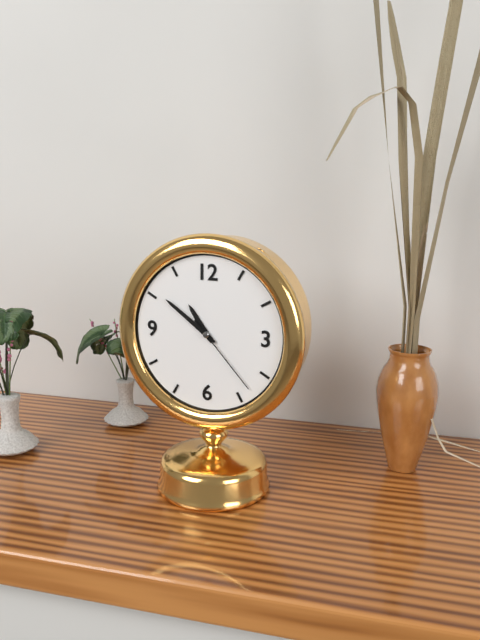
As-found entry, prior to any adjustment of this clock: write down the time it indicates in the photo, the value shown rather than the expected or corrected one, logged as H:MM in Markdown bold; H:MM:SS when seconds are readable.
**10:51:23**
